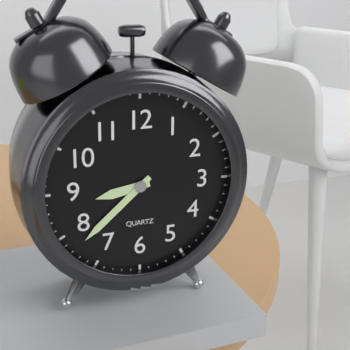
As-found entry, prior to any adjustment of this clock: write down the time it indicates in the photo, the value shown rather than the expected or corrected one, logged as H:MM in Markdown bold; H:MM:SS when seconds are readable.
**8:38**
